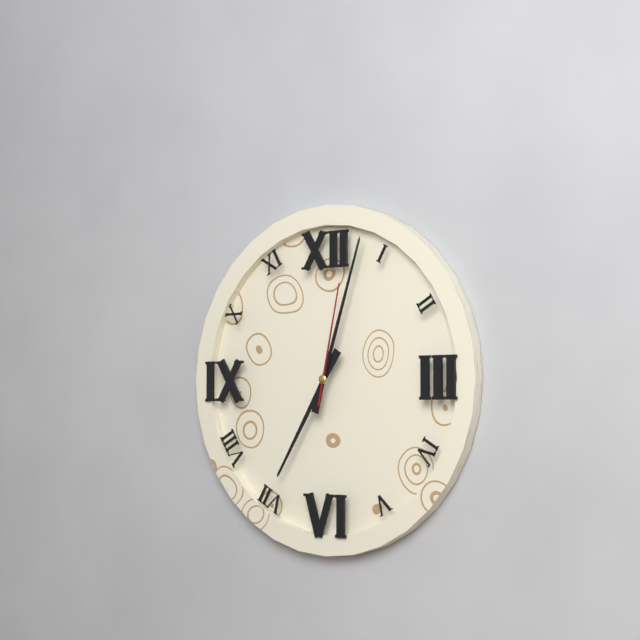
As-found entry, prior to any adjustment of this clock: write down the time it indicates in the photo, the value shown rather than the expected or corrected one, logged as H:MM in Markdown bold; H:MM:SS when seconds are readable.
**7:03:02**
